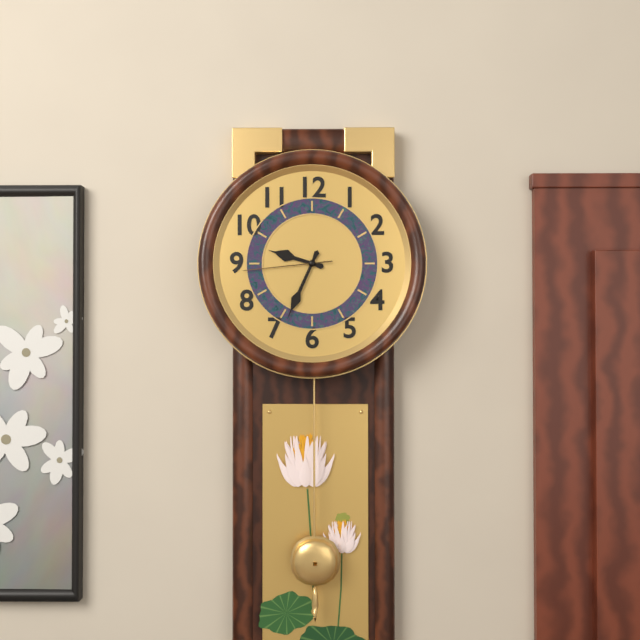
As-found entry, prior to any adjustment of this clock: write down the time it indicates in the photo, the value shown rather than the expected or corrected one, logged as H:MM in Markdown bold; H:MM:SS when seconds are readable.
**9:34:44**
